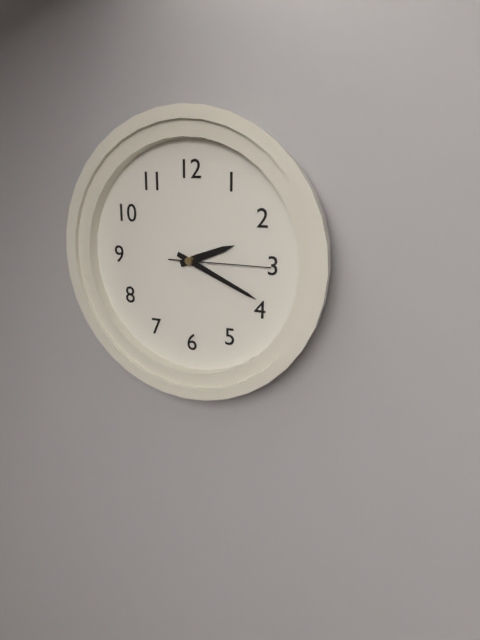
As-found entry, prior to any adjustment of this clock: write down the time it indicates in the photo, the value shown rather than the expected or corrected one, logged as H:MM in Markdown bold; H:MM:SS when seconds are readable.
**2:19:15**
